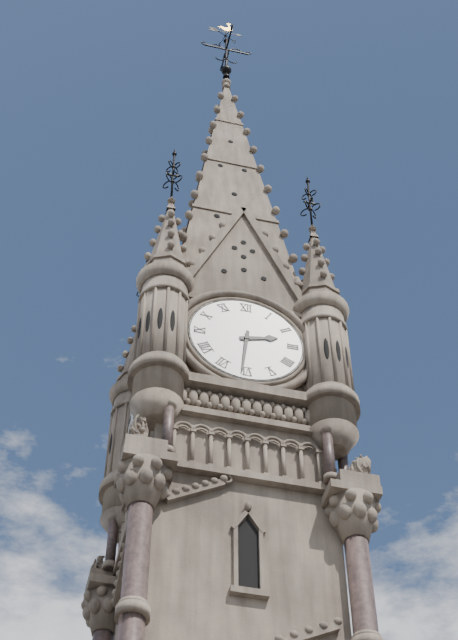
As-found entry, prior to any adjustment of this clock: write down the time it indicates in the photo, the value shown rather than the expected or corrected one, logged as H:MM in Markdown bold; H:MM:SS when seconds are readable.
**2:31**
